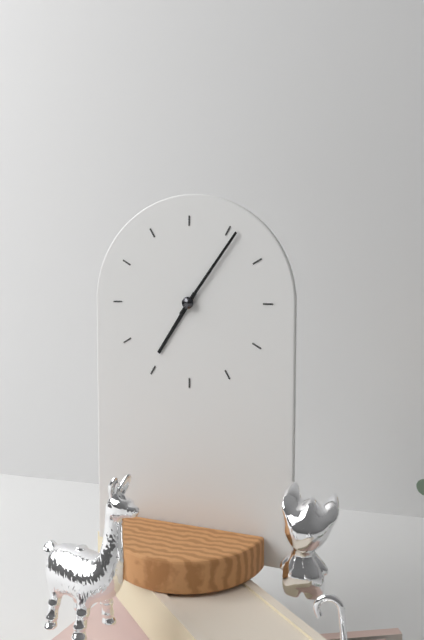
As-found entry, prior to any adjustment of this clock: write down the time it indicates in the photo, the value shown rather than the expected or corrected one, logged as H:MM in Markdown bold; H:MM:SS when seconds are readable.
**7:06**
